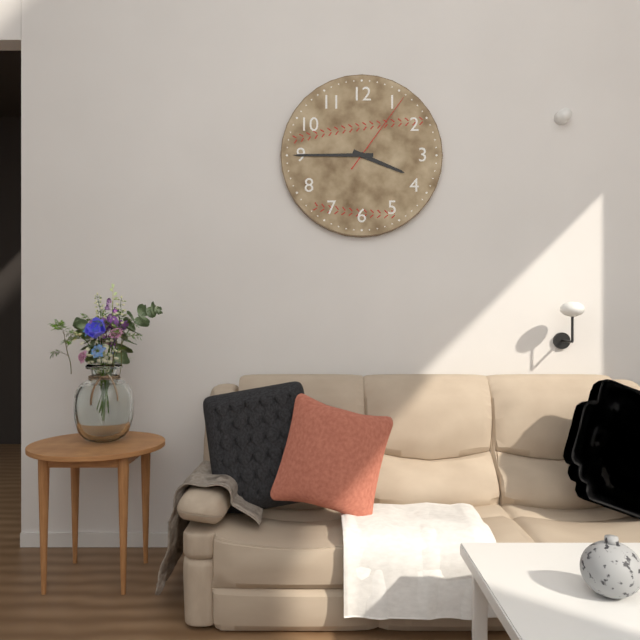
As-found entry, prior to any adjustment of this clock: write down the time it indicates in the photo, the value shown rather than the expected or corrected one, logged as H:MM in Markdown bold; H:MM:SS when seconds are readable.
**3:45:06**
